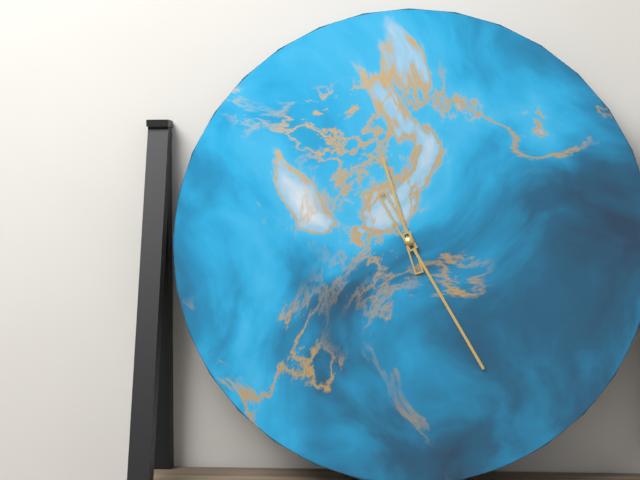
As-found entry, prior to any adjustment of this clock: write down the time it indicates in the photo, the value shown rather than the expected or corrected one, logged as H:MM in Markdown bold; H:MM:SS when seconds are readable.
**11:25**
